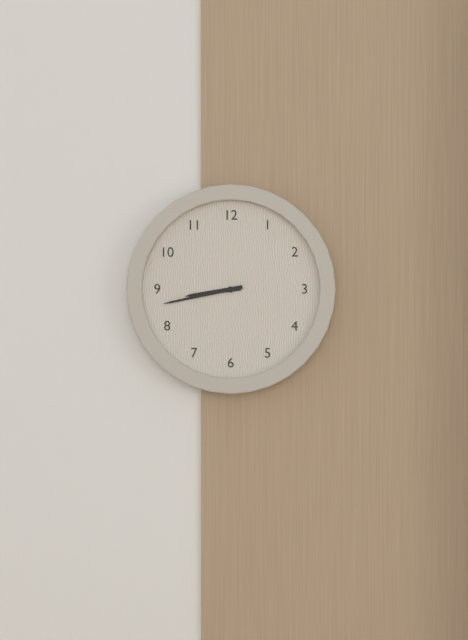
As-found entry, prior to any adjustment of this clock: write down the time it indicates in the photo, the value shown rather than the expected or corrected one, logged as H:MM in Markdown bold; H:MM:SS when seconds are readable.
**8:43**
